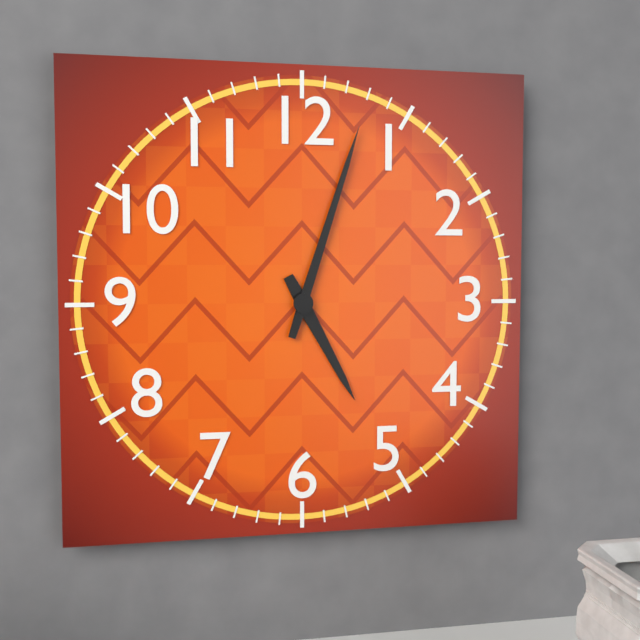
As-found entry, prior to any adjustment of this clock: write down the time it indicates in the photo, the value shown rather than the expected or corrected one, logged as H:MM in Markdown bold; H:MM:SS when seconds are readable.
**5:03**
